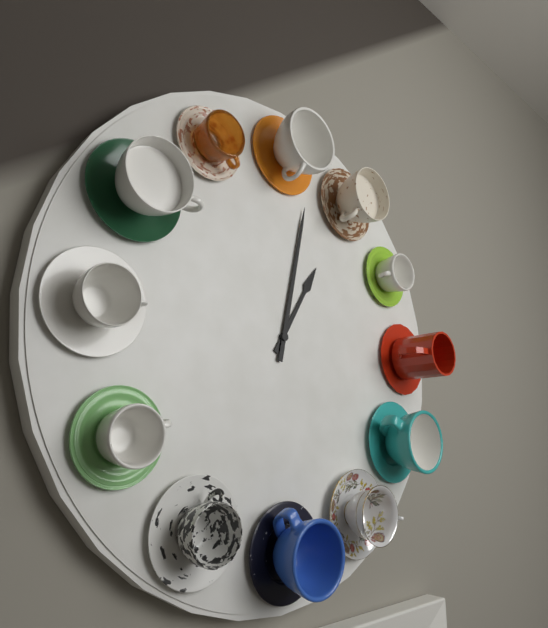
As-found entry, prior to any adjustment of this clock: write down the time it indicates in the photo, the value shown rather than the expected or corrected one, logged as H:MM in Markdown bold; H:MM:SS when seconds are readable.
**1:02**
